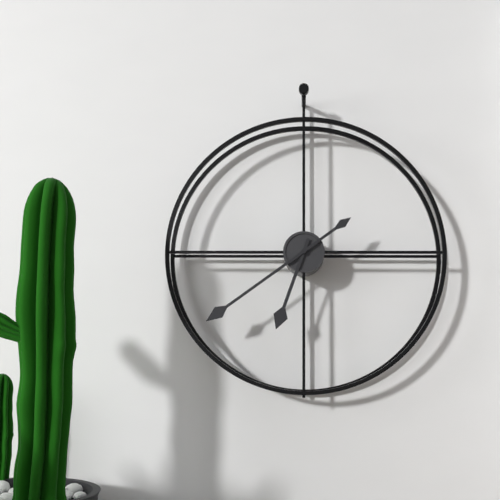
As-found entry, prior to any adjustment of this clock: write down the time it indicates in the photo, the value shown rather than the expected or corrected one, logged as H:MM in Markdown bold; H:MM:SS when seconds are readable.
**6:39**
